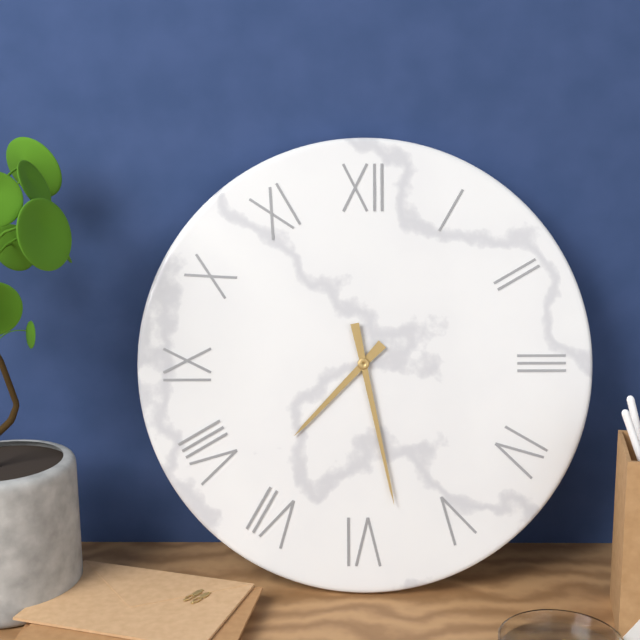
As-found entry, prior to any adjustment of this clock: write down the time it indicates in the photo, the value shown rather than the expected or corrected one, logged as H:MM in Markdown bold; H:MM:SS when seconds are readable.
**7:28**
